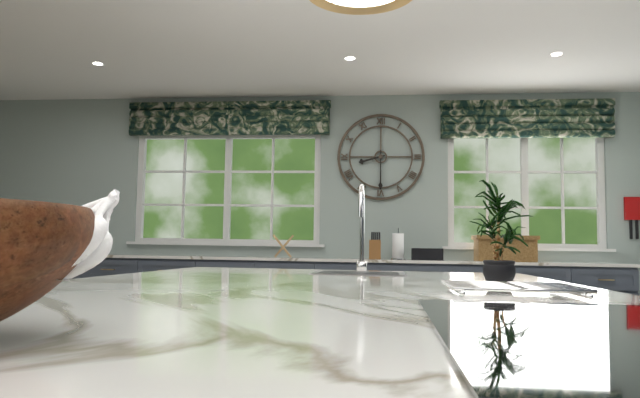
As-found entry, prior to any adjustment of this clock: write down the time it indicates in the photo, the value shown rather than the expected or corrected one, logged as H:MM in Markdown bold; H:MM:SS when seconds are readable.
**8:30**
